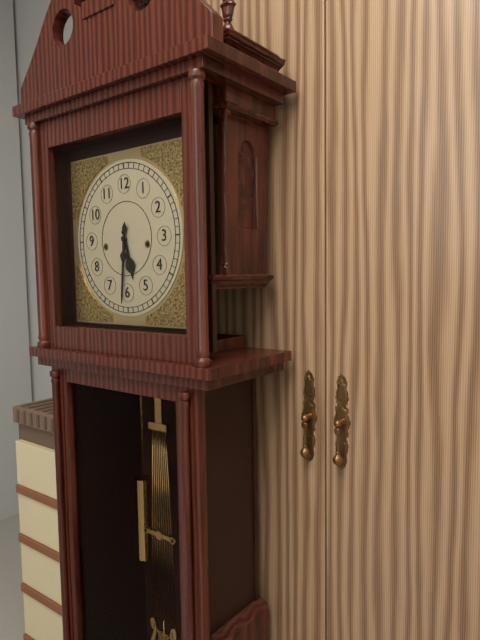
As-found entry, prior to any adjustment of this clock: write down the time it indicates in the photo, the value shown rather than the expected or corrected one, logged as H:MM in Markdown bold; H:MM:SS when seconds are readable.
**5:31**
